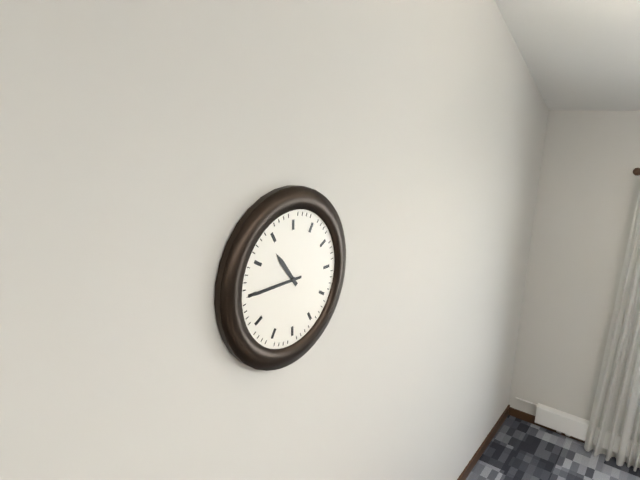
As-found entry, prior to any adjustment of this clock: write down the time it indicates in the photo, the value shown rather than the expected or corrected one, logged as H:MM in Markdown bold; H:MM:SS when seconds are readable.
**10:45**
